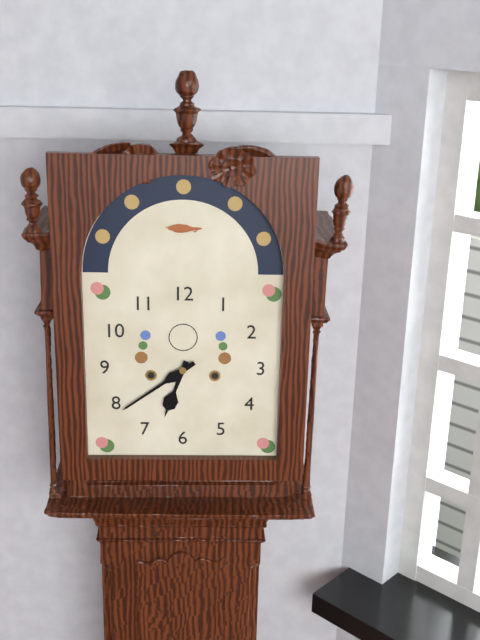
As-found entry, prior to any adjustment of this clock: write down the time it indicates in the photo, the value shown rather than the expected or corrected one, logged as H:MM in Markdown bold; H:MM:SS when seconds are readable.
**6:39**
